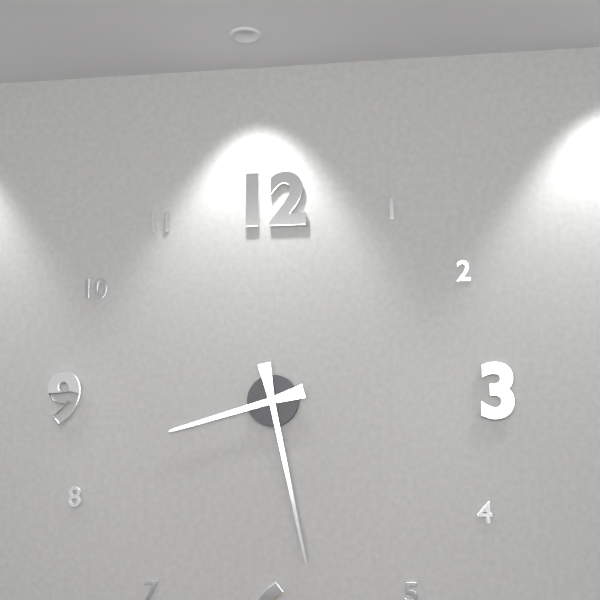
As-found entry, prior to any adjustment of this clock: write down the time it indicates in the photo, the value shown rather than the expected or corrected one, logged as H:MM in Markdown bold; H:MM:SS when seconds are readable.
**8:28**
